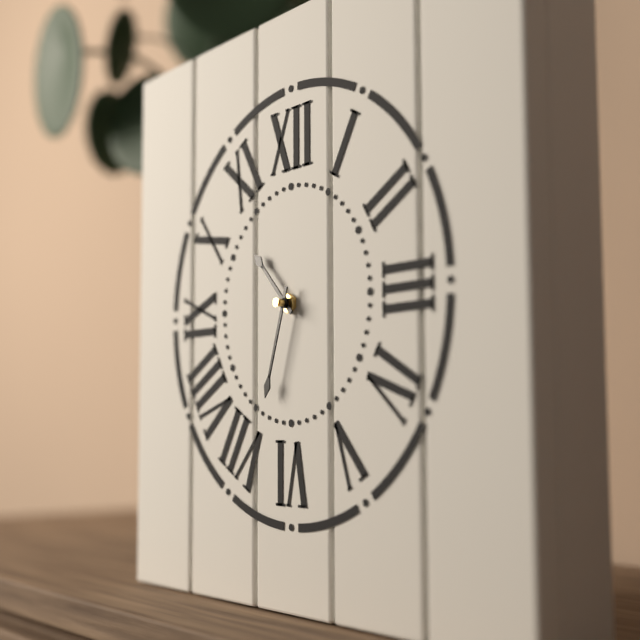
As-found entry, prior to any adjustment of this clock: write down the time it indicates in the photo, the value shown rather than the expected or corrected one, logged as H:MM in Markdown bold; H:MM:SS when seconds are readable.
**10:33**
